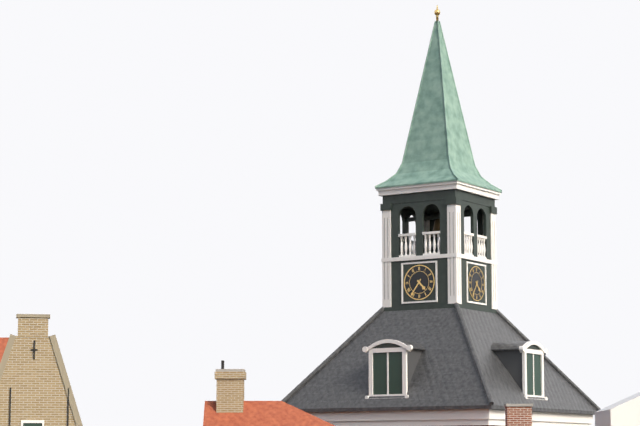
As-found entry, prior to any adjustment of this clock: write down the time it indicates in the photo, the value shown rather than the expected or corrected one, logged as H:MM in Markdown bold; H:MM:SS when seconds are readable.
**4:36**
